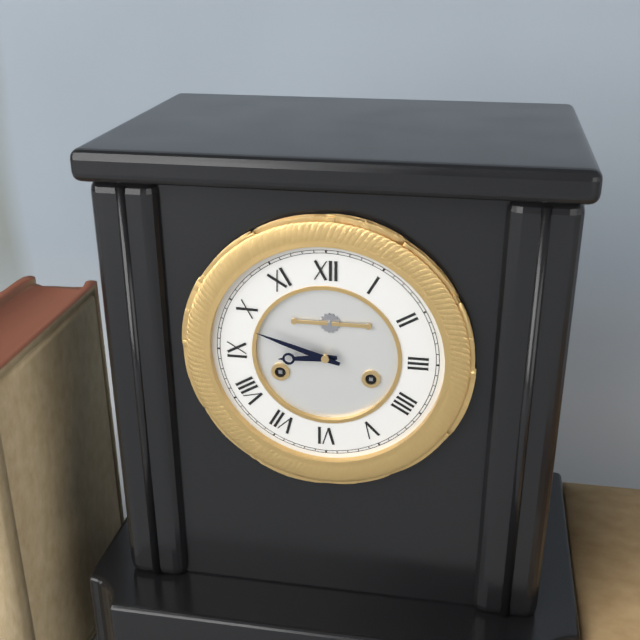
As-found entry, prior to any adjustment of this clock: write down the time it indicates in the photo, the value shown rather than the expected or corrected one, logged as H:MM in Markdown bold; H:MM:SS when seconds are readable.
**8:48**
